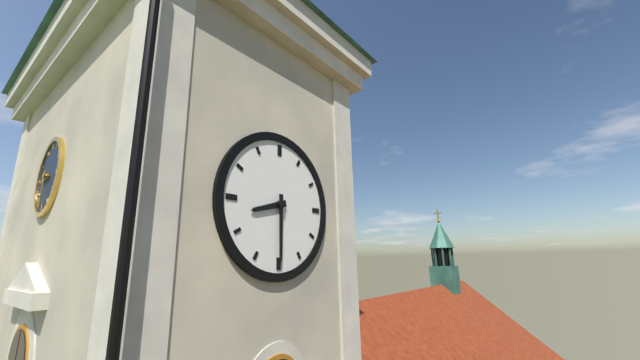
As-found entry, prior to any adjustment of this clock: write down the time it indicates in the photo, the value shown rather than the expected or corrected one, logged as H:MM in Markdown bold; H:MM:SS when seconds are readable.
**8:30**
